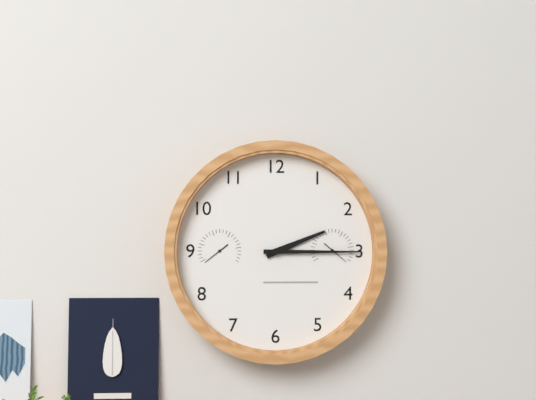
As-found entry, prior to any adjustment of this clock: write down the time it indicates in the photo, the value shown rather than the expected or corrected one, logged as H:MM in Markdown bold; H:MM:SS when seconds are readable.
**2:15**
